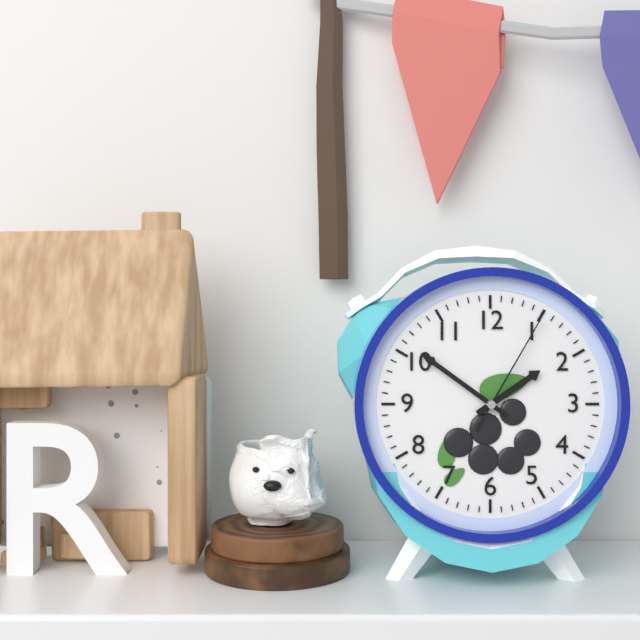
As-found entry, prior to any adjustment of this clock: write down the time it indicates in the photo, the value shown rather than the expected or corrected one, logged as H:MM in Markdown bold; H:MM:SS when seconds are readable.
**1:51:05**
